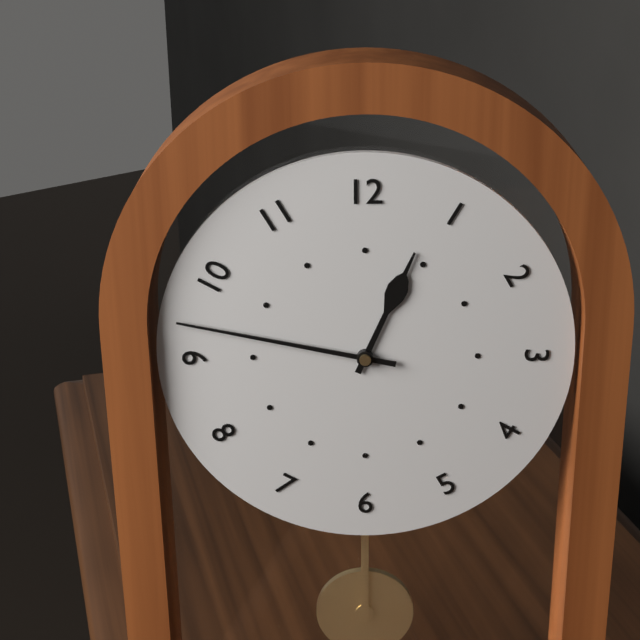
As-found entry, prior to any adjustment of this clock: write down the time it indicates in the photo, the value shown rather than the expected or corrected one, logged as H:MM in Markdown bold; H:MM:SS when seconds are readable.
**12:47**
